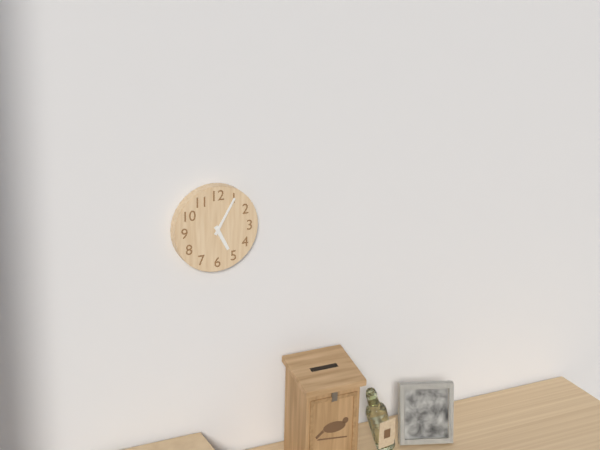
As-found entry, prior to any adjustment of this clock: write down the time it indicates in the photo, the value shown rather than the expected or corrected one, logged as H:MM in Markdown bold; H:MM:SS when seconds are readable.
**5:05**
